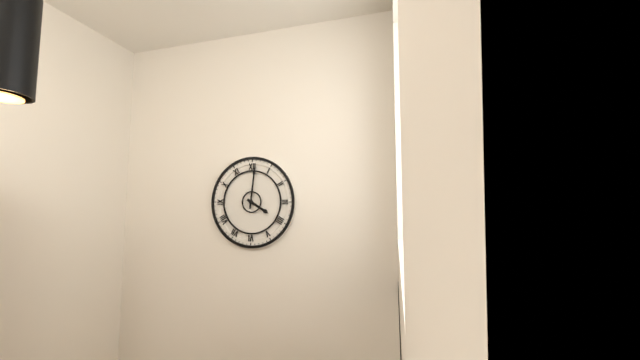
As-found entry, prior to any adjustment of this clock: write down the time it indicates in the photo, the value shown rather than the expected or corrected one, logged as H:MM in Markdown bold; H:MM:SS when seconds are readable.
**4:01**
